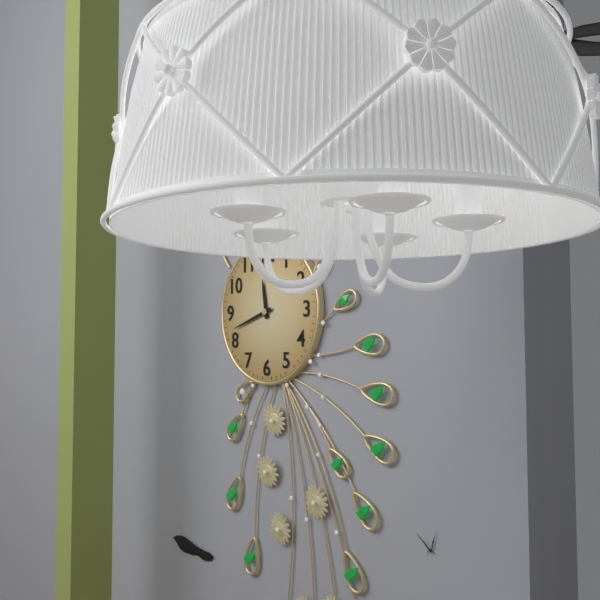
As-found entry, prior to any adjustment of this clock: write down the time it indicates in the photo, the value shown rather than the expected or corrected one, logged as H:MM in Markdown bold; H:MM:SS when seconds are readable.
**11:42**
